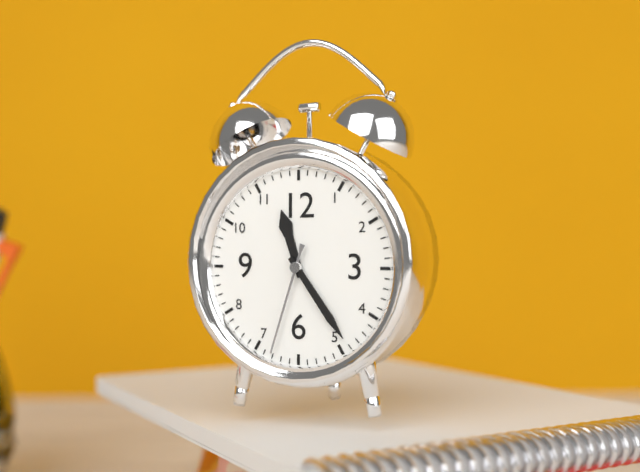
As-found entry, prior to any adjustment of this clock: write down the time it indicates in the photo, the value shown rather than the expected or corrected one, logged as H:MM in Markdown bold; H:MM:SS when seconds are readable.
**11:24:33**
